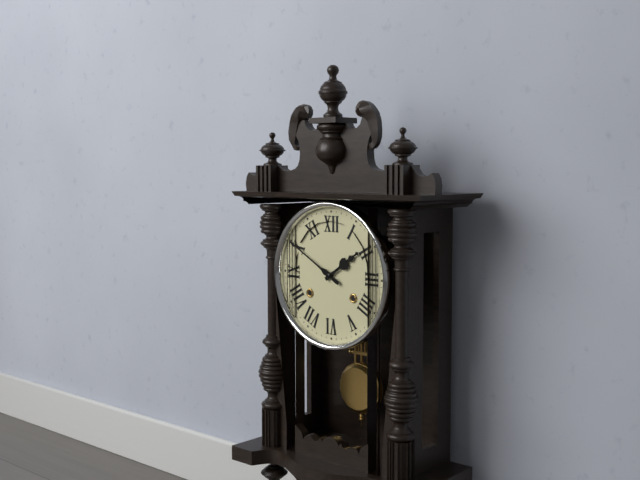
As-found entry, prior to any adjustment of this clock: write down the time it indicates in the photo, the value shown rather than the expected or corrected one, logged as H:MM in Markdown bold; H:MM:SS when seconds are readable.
**1:50**
